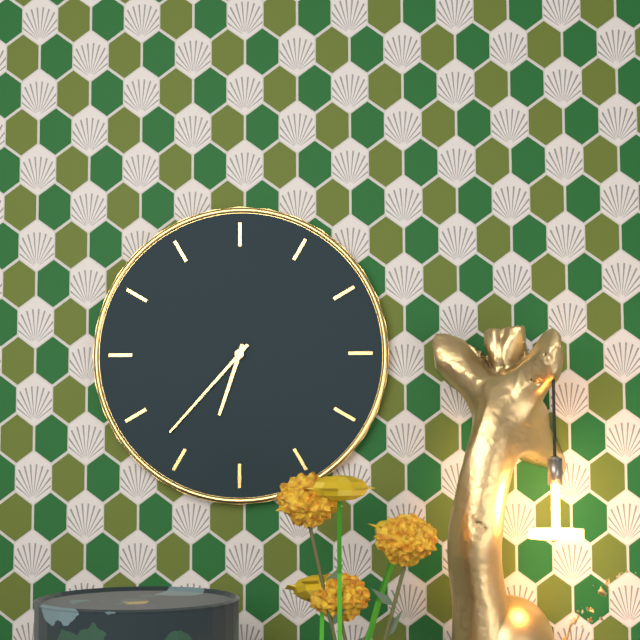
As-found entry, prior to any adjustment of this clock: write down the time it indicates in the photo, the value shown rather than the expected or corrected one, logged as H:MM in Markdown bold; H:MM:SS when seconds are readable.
**6:37**
